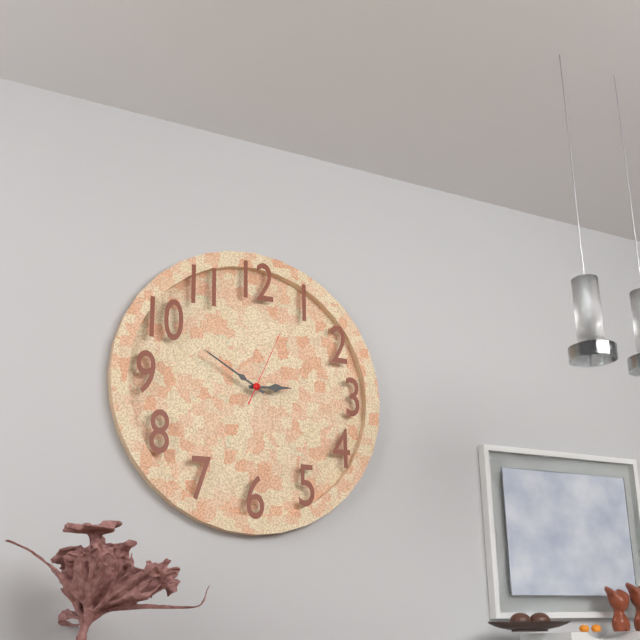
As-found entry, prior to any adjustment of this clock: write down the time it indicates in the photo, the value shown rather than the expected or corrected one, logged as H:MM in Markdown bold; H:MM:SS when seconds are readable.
**2:50:04**
